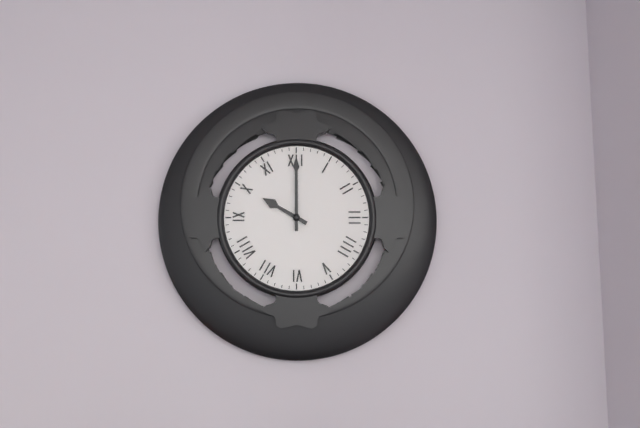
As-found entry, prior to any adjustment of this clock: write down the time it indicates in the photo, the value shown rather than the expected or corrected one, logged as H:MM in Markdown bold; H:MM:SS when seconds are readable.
**10:00**
